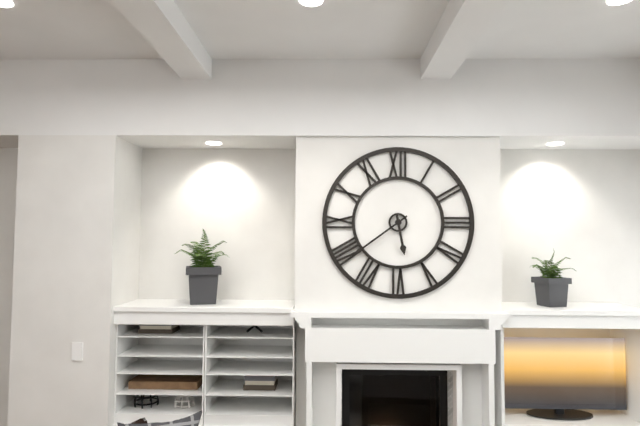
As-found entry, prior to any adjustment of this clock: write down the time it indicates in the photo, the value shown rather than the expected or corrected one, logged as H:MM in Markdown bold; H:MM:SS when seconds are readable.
**5:39**
